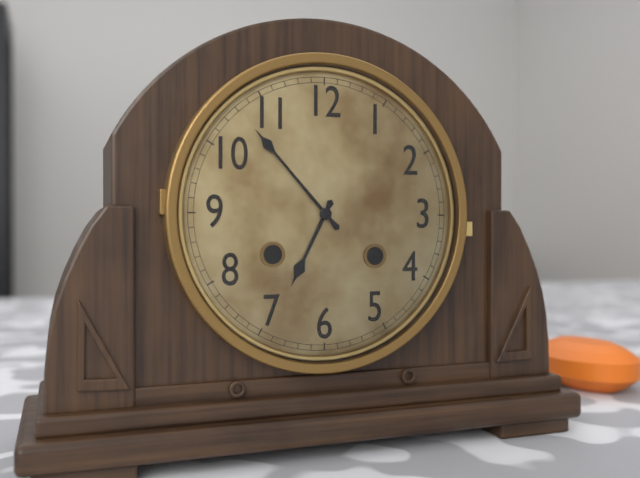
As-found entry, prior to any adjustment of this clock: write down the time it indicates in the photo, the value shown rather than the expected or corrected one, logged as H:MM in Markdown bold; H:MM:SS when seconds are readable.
**6:53**
